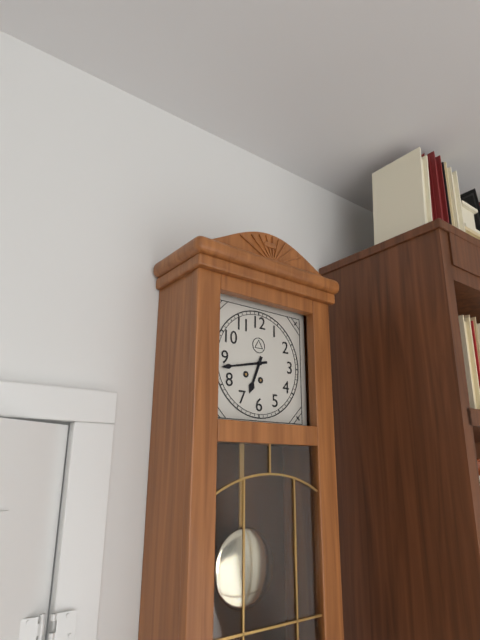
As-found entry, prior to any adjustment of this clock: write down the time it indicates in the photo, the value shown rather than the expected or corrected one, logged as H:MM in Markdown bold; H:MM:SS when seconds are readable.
**6:43**
